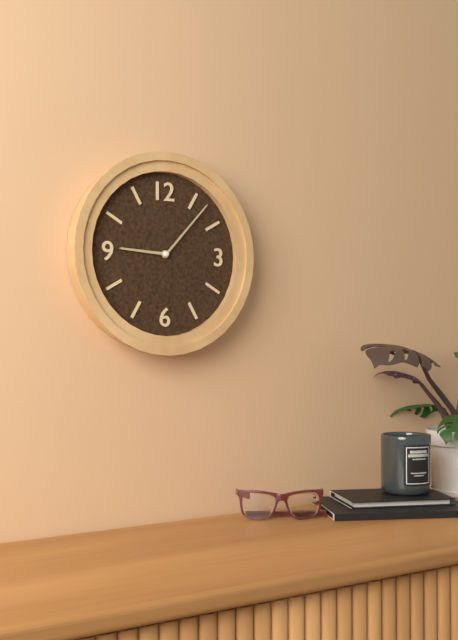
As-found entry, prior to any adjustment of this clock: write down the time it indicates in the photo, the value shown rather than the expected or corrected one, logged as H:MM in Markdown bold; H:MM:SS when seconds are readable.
**9:07**
